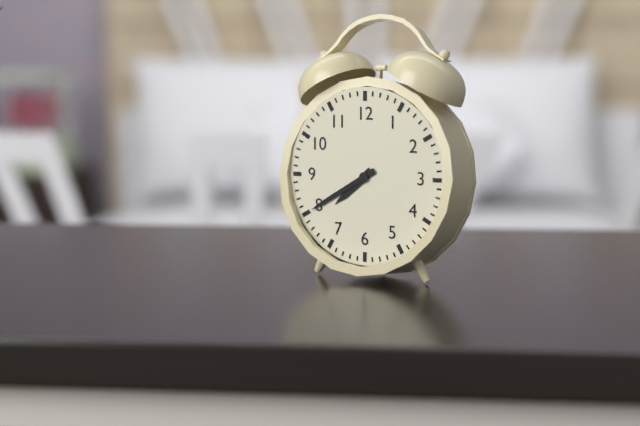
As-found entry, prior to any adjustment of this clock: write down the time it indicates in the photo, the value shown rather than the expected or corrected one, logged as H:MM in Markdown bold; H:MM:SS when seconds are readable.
**7:40**
